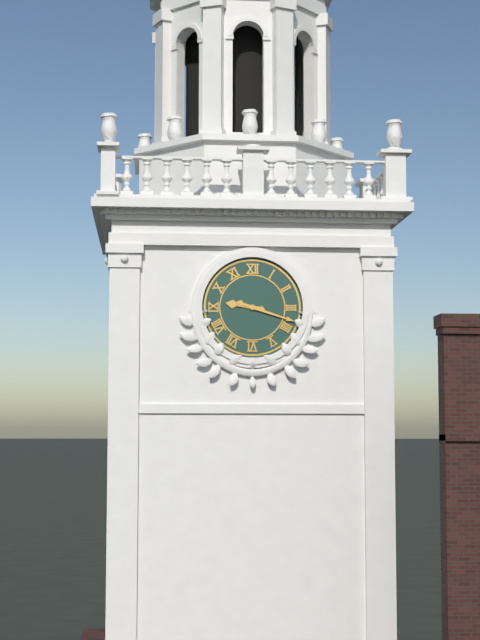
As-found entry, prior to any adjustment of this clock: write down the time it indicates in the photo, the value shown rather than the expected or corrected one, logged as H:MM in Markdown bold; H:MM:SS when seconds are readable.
**9:18**
